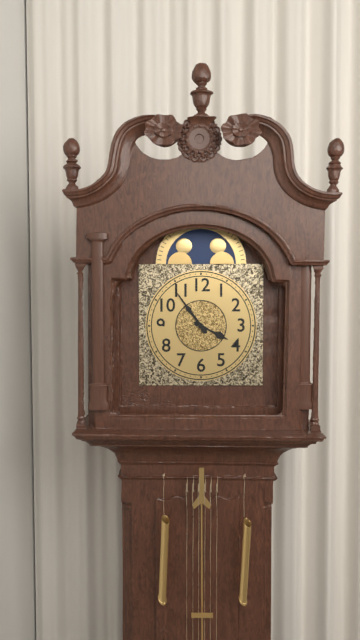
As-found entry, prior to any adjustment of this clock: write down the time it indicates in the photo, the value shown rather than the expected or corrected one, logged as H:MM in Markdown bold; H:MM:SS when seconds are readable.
**3:54**
